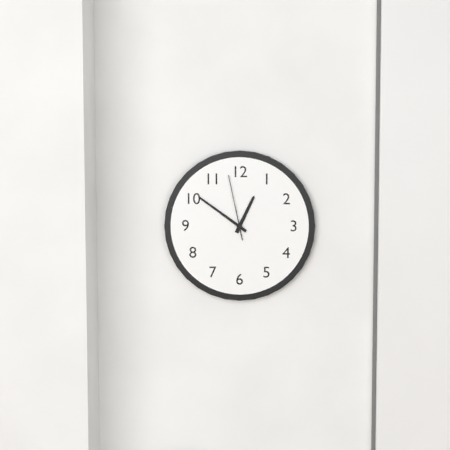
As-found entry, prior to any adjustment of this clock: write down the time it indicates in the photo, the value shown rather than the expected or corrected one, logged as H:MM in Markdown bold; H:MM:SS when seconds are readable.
**12:51:58**
